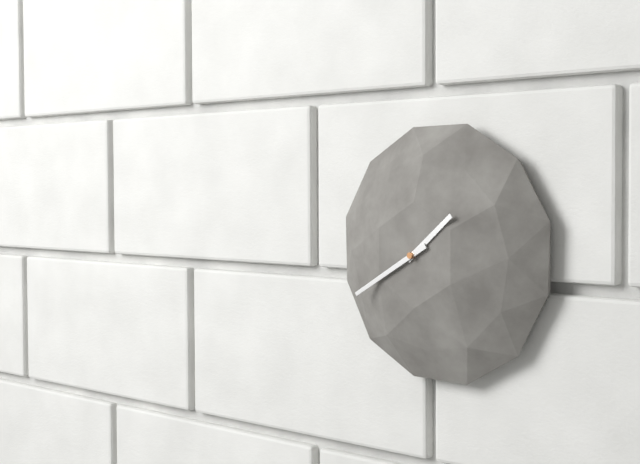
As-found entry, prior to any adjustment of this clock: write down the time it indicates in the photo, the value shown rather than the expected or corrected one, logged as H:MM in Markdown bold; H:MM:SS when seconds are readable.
**1:40**
